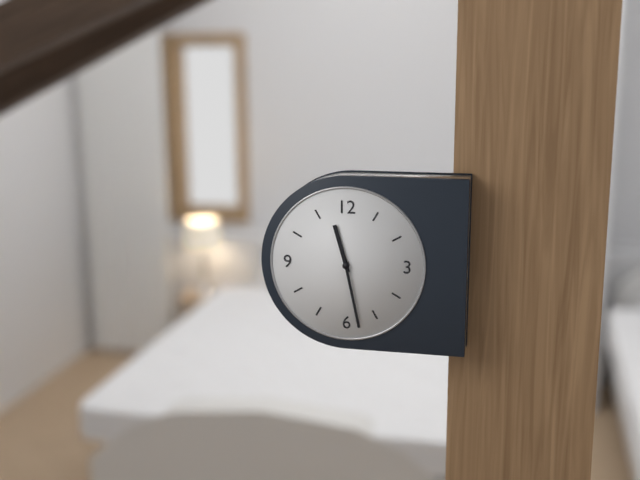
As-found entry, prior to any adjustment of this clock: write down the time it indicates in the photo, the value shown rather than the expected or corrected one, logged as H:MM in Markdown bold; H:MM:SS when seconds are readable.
**11:28**
